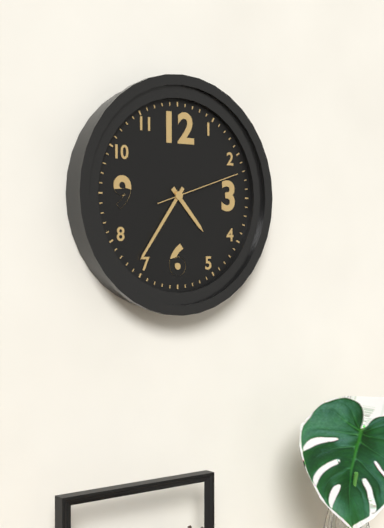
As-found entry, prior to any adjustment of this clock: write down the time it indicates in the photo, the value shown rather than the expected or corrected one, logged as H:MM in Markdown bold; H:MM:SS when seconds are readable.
**4:36:12**
